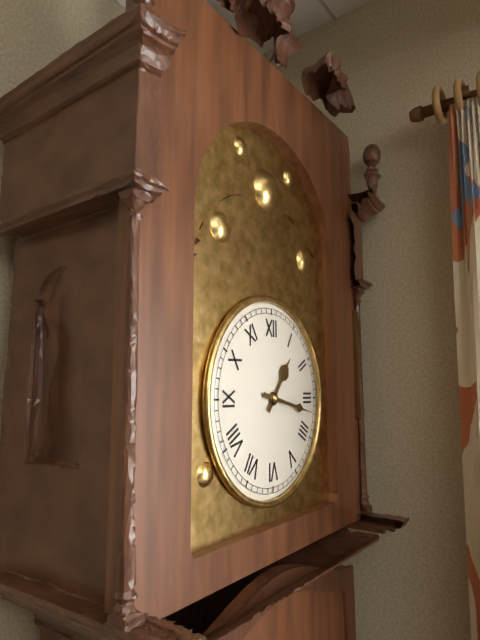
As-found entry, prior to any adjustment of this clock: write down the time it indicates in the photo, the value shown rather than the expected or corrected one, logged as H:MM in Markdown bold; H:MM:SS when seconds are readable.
**1:17**
